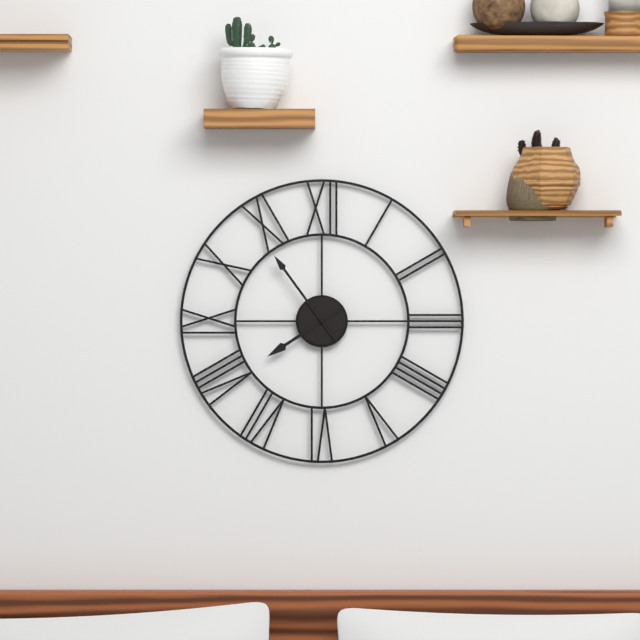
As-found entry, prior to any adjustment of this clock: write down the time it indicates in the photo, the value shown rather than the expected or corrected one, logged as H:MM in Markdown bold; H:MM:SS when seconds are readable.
**7:54**
